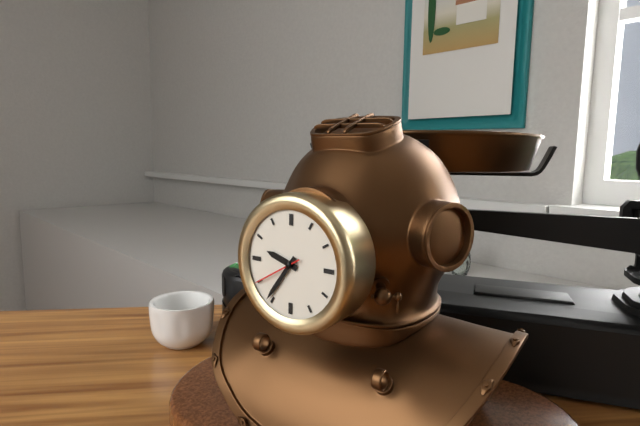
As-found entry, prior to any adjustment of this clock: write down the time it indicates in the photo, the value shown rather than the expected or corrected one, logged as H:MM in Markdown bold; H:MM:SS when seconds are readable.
**9:36:40**
